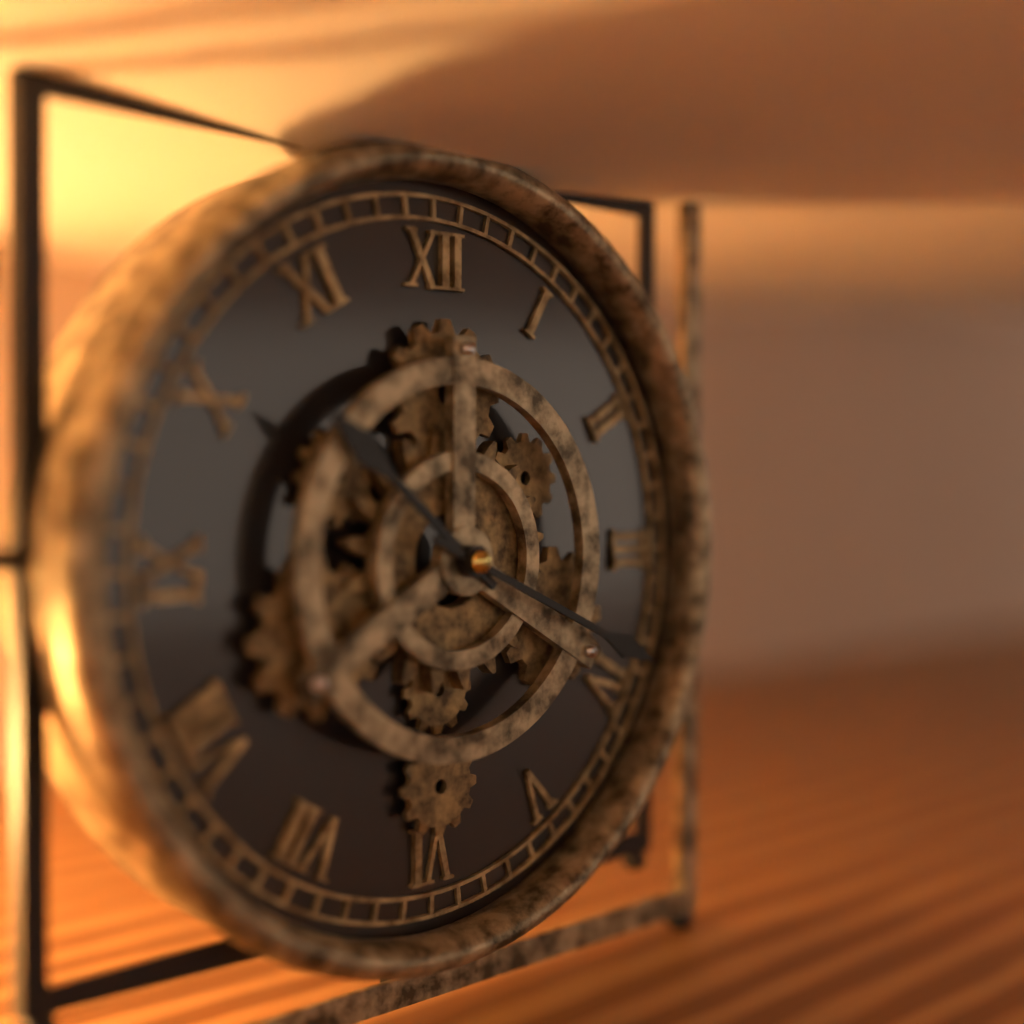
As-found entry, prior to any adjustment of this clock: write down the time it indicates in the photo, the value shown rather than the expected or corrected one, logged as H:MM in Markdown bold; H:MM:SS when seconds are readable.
**10:19**
